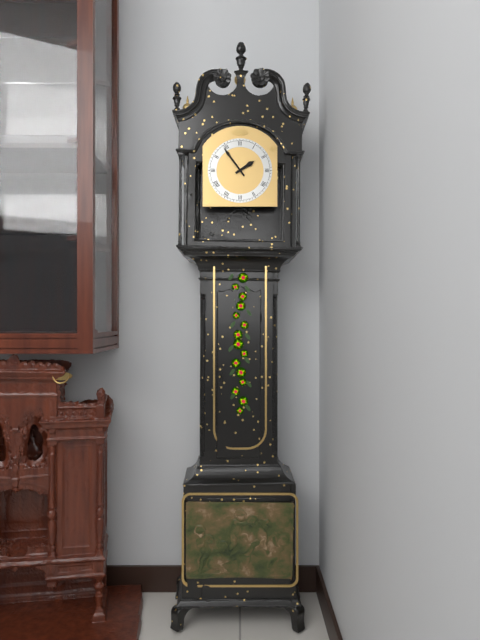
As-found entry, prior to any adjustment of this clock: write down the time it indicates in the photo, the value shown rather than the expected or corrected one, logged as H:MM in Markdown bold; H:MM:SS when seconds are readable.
**1:54**
